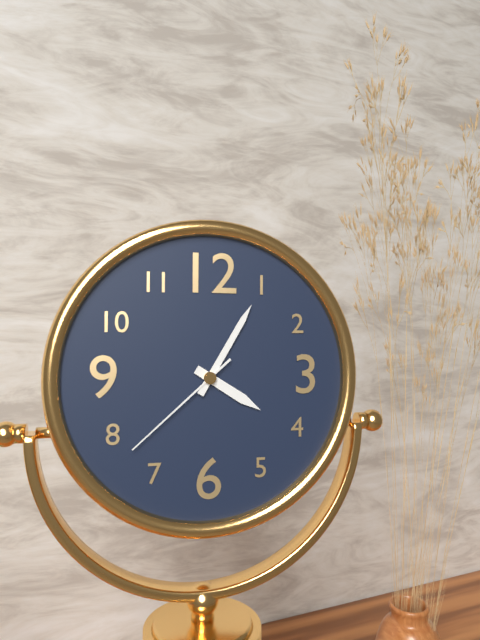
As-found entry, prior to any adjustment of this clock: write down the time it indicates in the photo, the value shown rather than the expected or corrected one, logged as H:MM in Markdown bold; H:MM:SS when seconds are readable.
**4:05:38**
